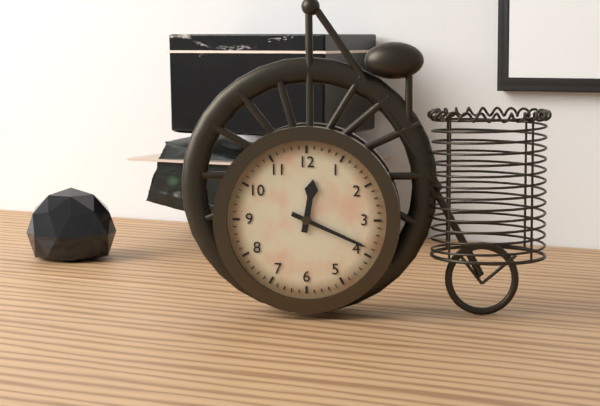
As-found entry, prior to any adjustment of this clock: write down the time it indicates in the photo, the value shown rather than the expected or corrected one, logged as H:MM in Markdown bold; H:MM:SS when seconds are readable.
**12:19**
